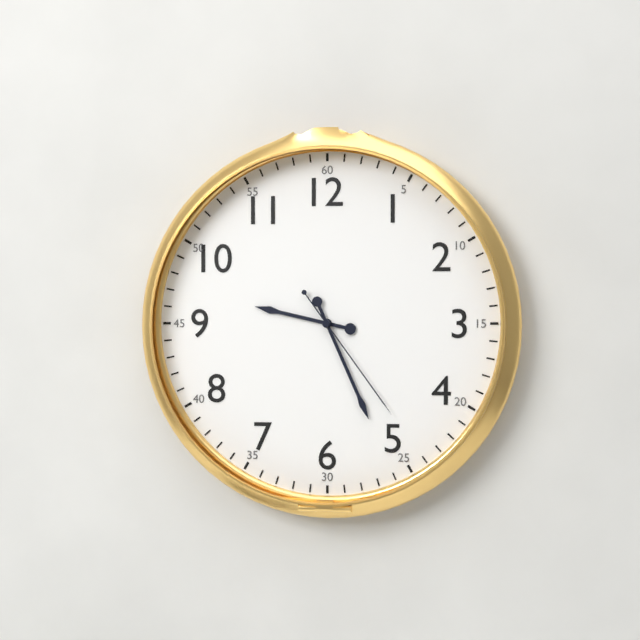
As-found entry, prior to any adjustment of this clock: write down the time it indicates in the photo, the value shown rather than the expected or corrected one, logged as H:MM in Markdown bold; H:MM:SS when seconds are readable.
**9:26:24**
